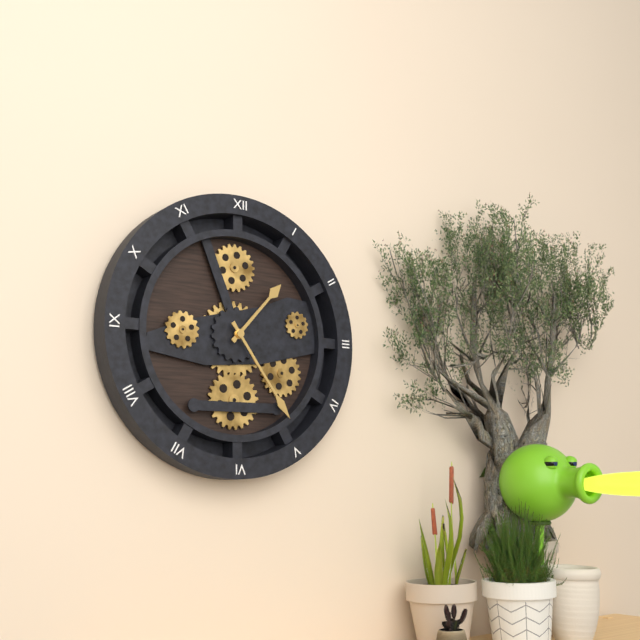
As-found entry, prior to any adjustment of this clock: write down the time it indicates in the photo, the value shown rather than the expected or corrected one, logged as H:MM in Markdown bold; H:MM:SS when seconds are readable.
**1:24**
